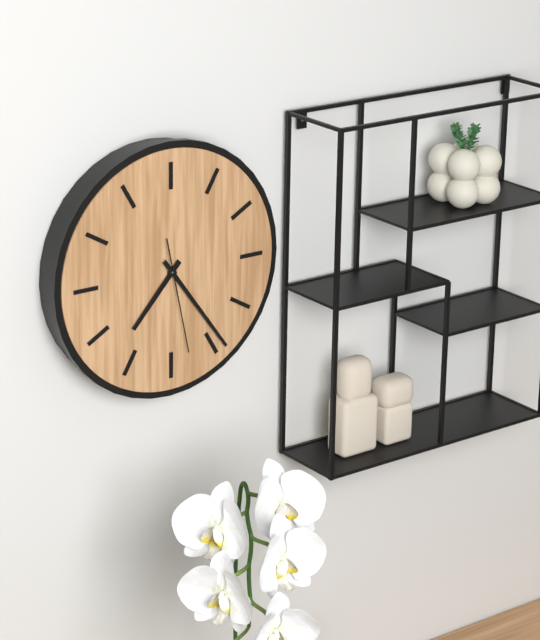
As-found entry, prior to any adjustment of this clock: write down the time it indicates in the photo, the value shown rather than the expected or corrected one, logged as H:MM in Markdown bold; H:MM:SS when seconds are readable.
**7:24:28**
